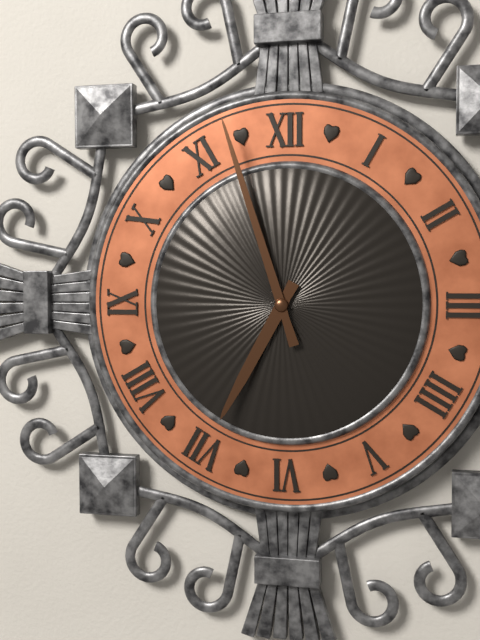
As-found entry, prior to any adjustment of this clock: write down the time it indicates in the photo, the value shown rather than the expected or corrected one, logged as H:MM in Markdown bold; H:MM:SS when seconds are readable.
**6:57**
